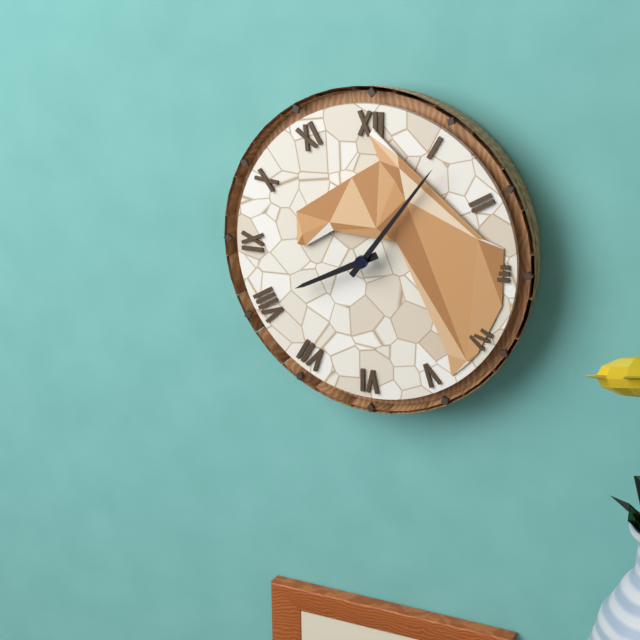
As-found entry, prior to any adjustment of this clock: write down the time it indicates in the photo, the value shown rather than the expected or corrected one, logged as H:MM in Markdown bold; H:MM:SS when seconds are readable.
**8:06**
